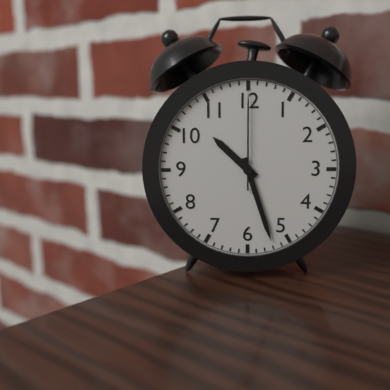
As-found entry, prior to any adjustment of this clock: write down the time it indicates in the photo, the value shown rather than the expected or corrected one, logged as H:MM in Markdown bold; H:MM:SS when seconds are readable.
**10:27:00**
